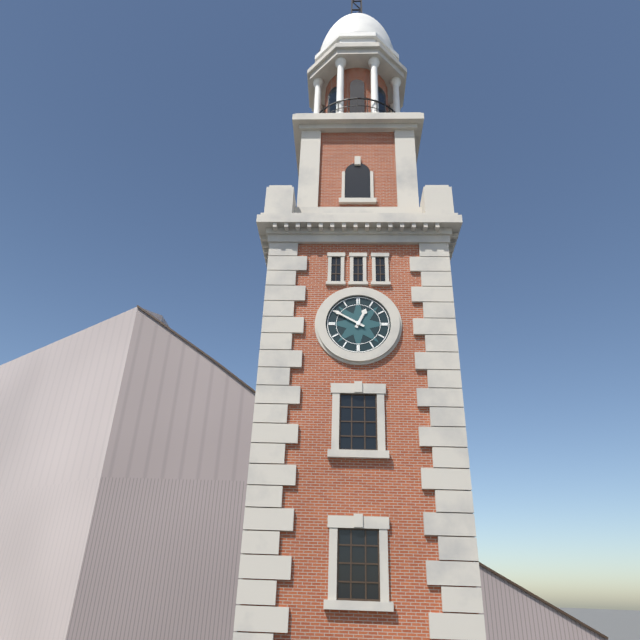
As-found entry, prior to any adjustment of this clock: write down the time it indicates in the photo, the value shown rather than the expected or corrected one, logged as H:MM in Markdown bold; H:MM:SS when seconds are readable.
**12:50**
